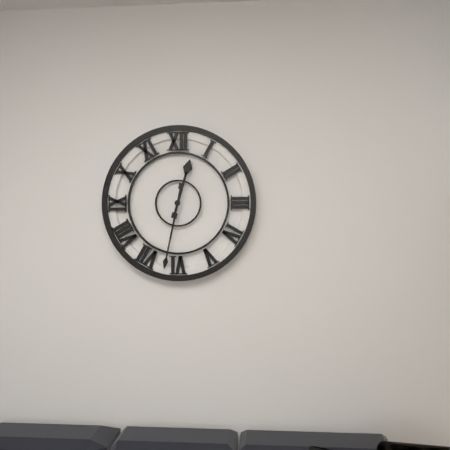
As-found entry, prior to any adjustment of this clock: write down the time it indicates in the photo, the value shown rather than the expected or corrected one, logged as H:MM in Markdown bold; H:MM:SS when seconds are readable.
**12:32**
